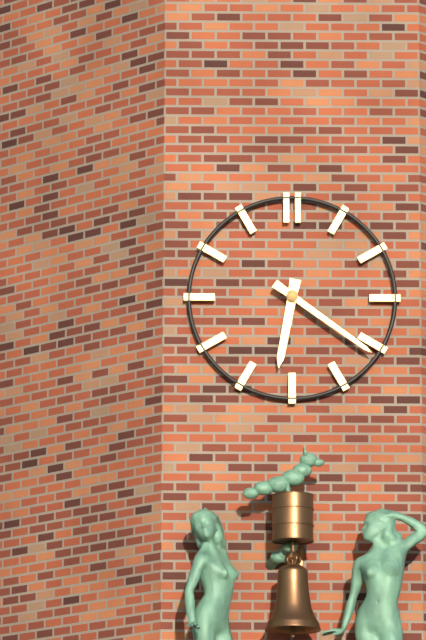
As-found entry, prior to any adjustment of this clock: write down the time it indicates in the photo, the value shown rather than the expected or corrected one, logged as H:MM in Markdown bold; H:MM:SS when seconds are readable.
**6:21**
